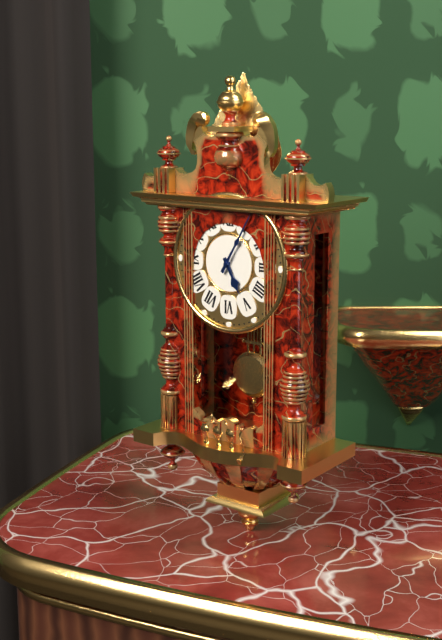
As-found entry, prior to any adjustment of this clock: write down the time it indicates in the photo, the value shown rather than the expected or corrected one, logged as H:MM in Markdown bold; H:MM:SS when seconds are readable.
**5:05**
